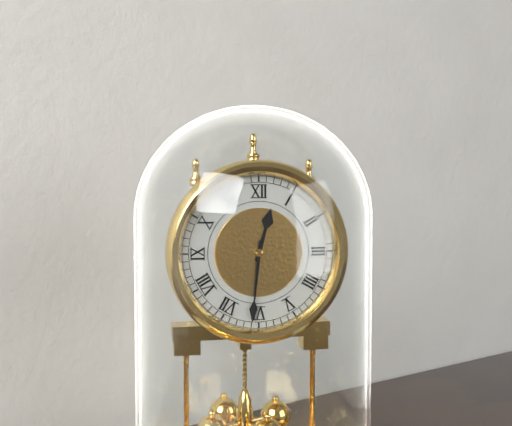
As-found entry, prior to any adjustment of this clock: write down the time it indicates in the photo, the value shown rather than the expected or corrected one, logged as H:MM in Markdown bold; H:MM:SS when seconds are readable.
**12:31**
